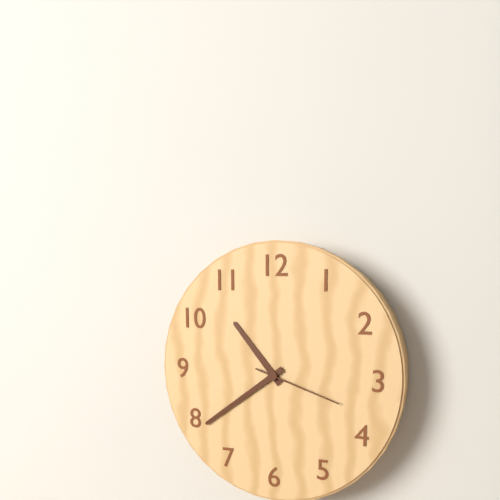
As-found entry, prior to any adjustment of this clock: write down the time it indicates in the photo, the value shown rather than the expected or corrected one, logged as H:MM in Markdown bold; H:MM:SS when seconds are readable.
**10:39:18**
